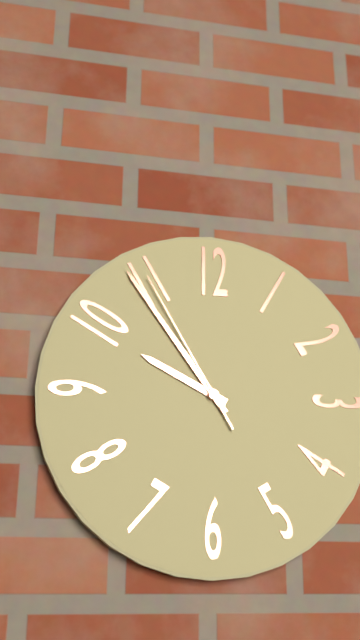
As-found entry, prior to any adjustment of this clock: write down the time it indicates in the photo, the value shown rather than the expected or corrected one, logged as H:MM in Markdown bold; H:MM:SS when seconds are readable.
**9:54:55**
